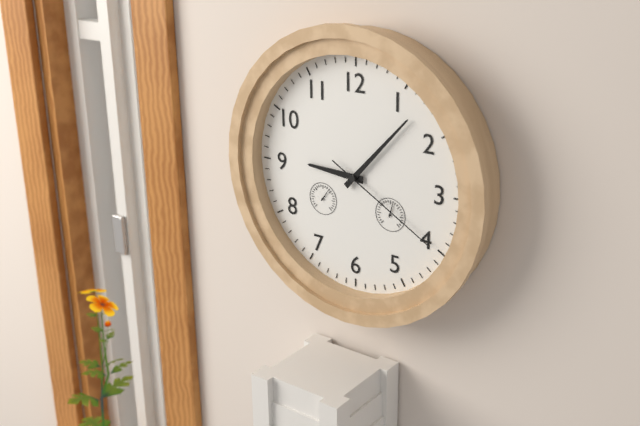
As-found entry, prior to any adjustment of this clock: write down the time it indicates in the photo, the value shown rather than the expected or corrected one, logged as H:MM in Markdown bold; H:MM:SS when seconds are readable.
**9:07:20**
